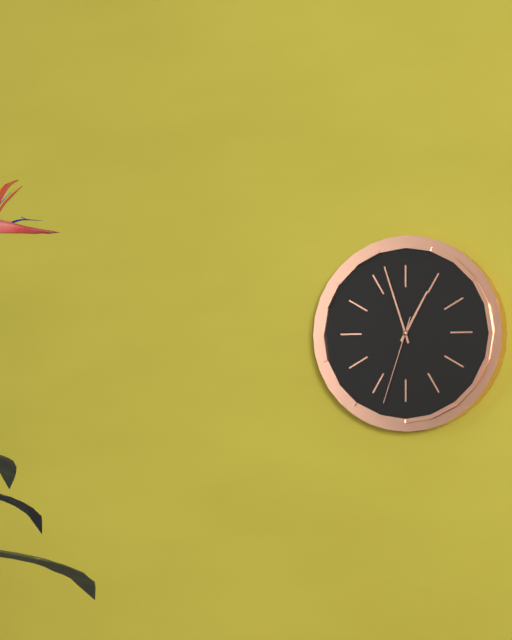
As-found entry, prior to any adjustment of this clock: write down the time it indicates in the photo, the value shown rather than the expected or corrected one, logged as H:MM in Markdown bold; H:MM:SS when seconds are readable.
**12:57:33**
